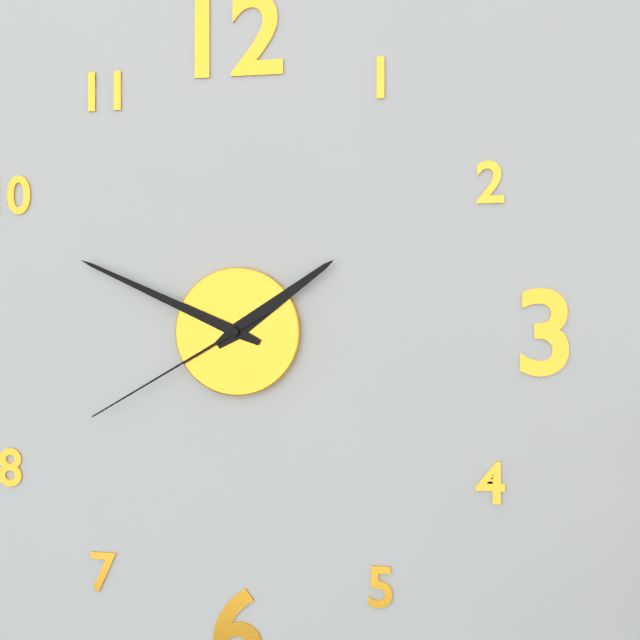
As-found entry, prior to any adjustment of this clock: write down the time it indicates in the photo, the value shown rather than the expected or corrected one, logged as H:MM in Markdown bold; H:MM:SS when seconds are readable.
**1:49:40**
